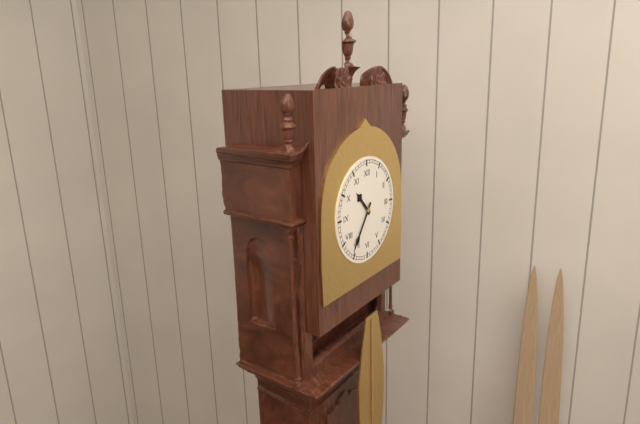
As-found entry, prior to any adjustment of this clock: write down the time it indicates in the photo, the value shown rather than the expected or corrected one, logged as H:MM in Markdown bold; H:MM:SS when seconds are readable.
**10:36**
